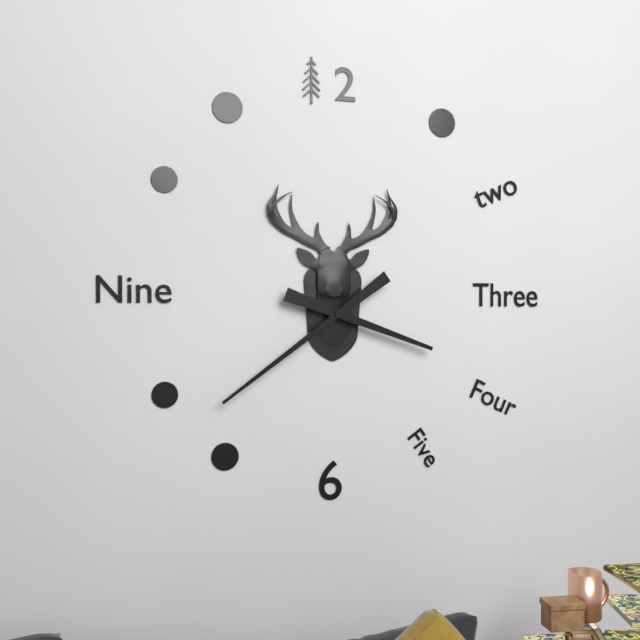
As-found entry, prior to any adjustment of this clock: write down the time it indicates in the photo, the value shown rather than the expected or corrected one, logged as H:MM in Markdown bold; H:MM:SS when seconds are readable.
**3:39**
